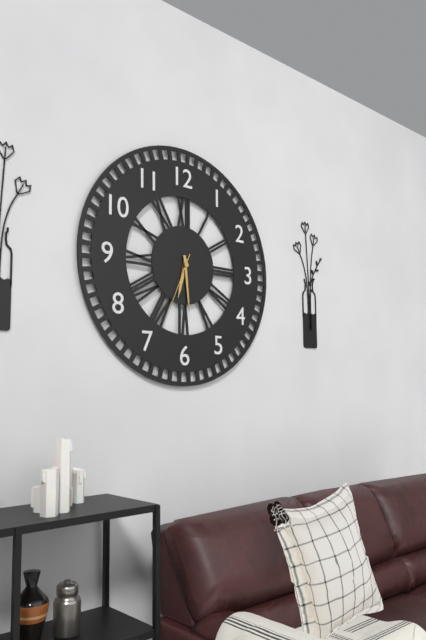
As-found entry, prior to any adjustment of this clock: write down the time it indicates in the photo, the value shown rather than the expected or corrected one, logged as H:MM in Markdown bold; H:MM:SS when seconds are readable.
**6:29:34**
